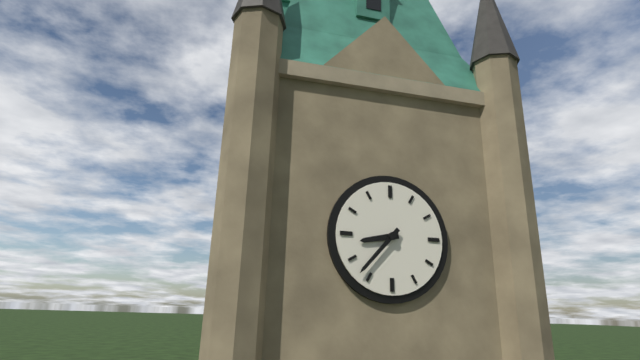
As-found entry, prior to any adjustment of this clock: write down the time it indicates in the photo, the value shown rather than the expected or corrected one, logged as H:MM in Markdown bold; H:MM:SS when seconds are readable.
**8:37**
